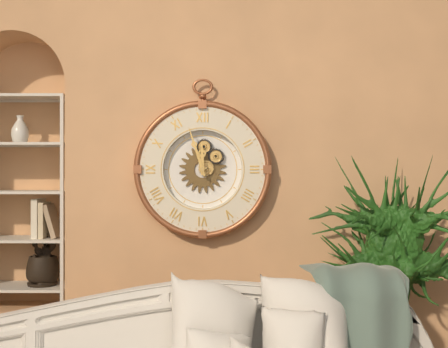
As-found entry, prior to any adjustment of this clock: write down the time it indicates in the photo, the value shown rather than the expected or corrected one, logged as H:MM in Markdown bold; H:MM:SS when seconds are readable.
**11:57**
